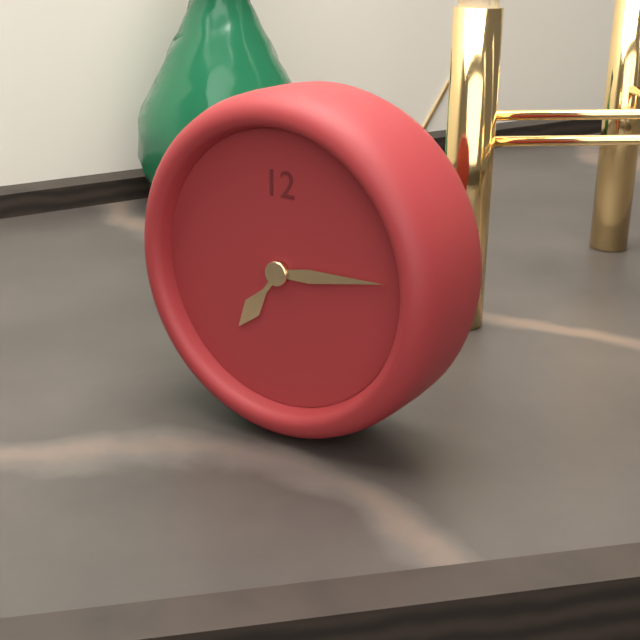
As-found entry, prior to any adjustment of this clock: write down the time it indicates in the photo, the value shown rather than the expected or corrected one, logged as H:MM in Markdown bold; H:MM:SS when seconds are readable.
**7:14**
